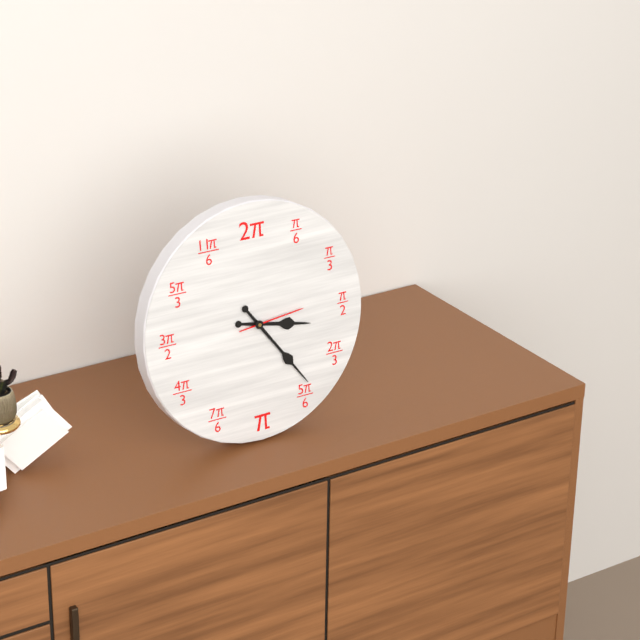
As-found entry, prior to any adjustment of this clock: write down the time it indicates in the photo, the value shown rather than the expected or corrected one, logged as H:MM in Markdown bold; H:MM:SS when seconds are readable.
**3:24:14**
